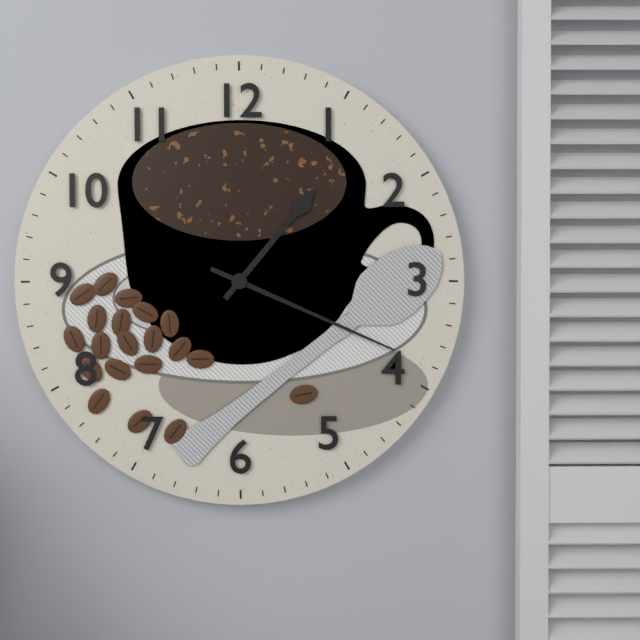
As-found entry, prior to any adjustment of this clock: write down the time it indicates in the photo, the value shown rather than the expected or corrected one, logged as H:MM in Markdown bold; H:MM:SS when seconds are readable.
**1:19**
